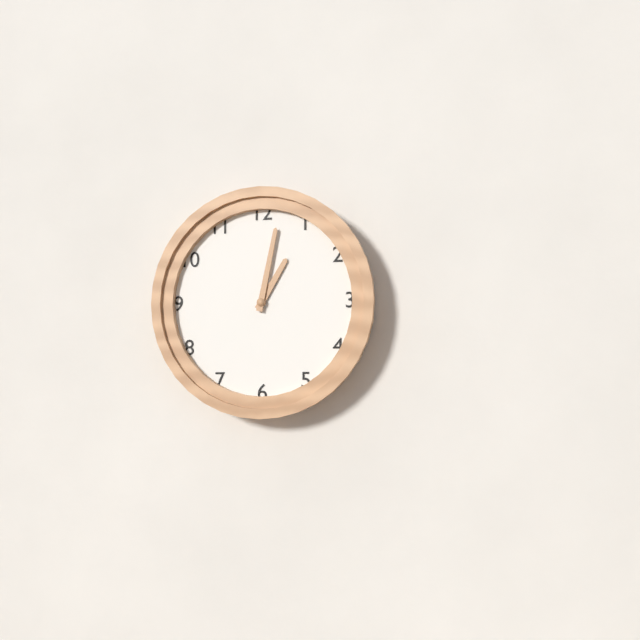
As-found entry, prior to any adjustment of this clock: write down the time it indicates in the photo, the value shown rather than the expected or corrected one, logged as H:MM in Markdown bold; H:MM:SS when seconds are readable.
**1:02**
